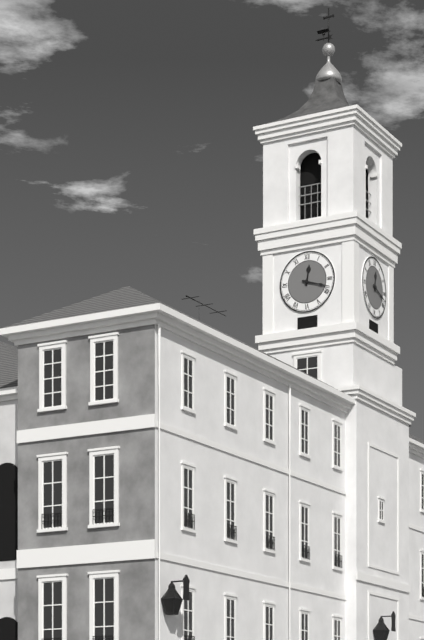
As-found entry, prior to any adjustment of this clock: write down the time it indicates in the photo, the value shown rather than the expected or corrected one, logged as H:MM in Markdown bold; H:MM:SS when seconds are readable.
**12:18**
